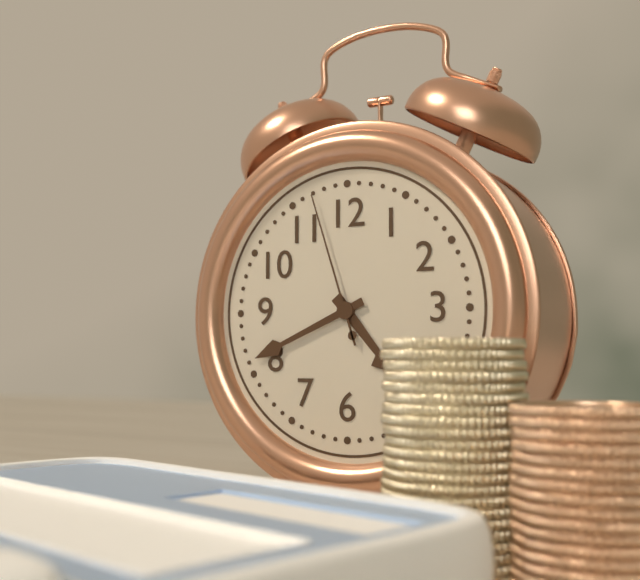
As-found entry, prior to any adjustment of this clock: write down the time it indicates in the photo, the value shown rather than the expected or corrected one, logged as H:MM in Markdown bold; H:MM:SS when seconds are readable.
**4:41:57**
